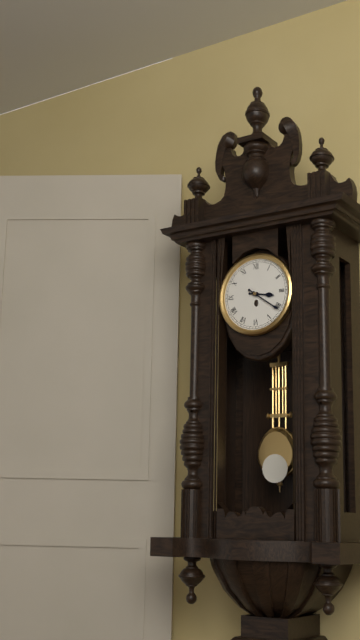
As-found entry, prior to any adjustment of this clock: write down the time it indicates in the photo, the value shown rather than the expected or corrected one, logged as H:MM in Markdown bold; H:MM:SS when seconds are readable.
**3:21**
